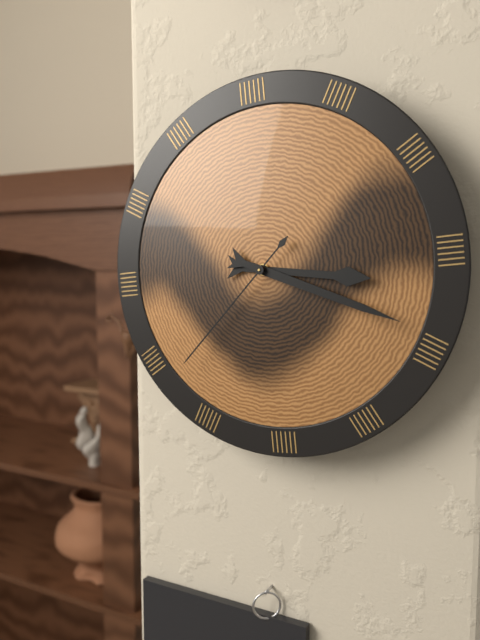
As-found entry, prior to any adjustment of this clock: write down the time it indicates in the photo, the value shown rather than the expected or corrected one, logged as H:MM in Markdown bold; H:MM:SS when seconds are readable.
**3:19:38**
